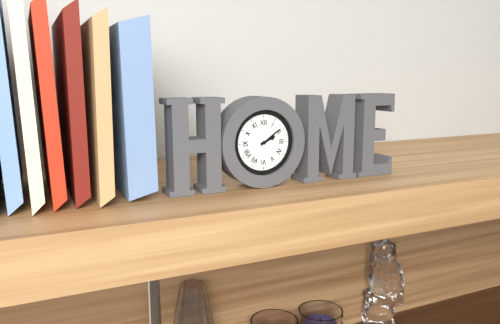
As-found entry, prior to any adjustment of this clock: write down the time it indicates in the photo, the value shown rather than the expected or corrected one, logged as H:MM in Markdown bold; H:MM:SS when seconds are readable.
**2:09**
